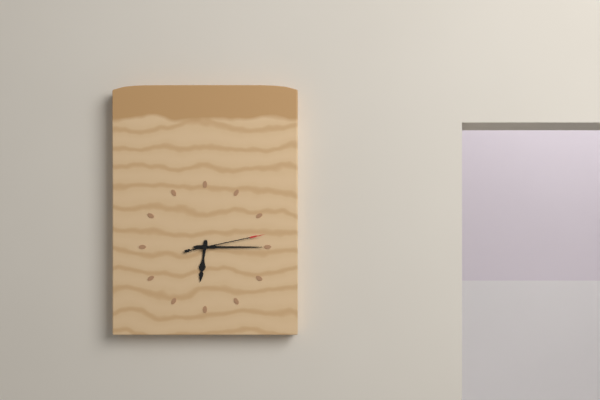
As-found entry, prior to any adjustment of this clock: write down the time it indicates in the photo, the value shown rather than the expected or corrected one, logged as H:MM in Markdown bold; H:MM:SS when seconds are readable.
**6:15:13**
